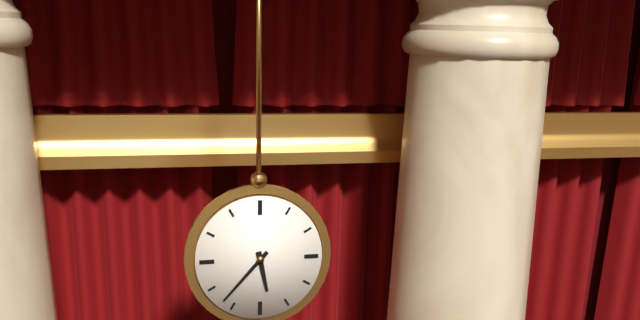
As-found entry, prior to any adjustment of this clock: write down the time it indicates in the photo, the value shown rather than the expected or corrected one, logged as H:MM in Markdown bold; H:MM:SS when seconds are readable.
**5:37**
